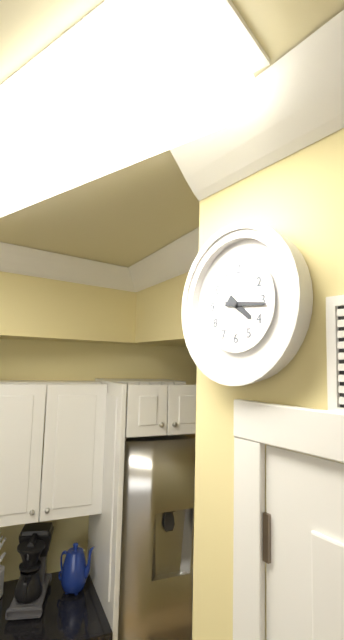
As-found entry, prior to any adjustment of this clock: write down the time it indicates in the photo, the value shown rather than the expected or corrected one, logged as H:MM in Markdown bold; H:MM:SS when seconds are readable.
**4:16**
